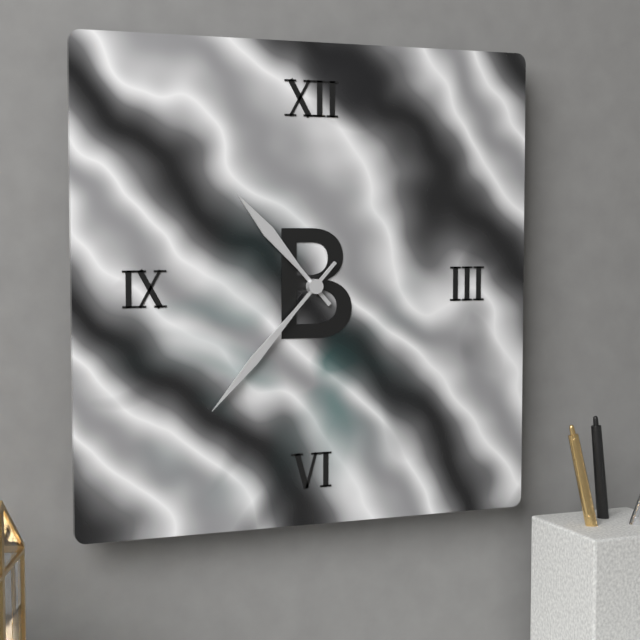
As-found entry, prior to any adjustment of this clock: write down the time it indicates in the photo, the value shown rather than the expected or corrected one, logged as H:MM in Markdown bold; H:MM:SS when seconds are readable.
**10:37**
